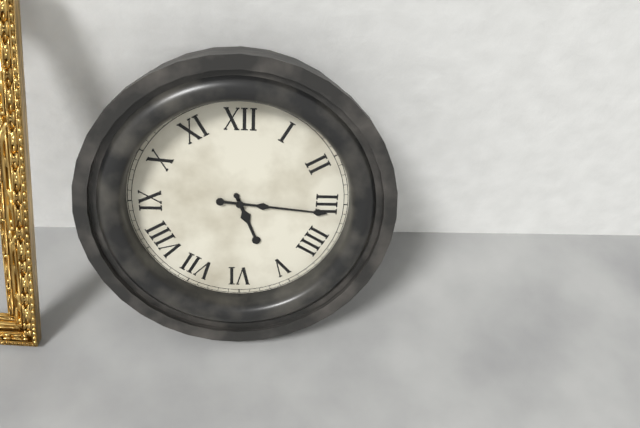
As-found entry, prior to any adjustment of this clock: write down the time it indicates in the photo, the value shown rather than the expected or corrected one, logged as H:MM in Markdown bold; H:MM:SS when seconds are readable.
**5:16**
